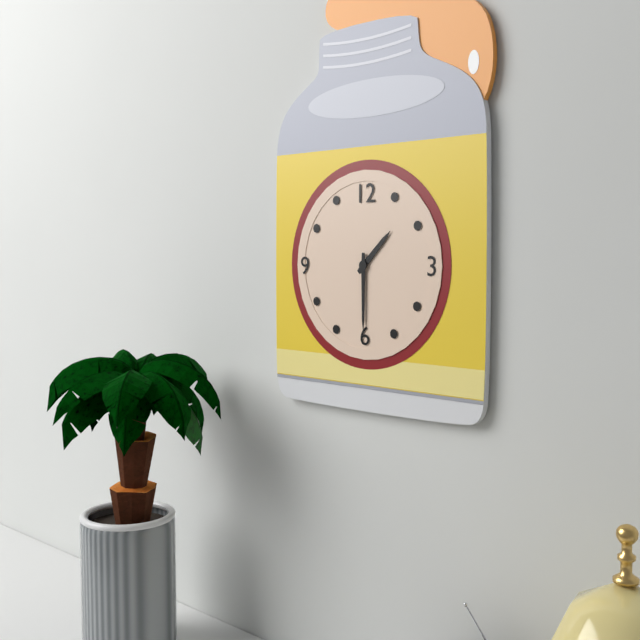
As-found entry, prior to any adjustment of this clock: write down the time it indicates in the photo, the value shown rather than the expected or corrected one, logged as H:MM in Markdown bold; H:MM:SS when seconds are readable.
**1:30**
